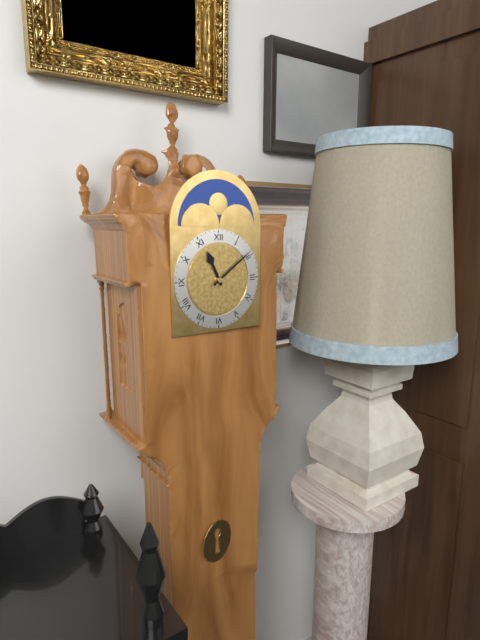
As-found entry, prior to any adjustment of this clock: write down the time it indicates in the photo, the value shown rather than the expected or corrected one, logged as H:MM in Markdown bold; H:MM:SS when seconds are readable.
**11:09**
